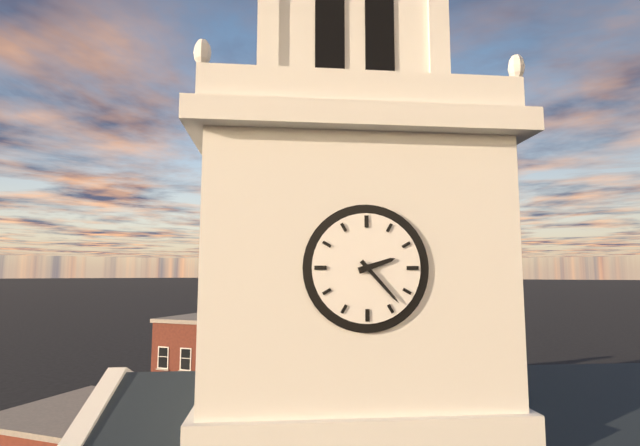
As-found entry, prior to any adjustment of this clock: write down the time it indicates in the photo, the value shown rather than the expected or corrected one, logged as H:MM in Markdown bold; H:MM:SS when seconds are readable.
**2:23**
